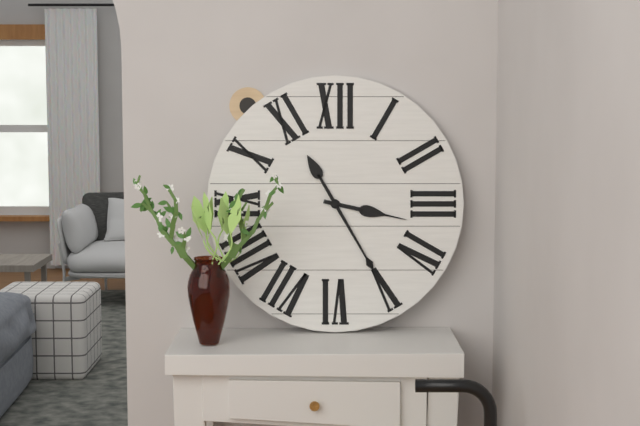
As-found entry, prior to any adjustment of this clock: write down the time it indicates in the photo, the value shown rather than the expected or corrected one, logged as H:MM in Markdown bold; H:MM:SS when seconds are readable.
**3:25**
